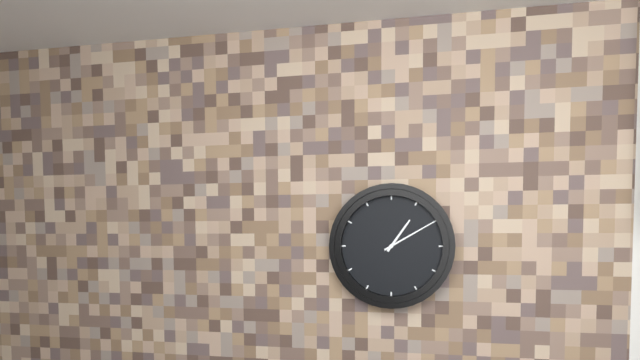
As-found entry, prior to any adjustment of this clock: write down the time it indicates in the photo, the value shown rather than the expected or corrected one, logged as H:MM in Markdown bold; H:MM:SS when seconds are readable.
**1:10**
